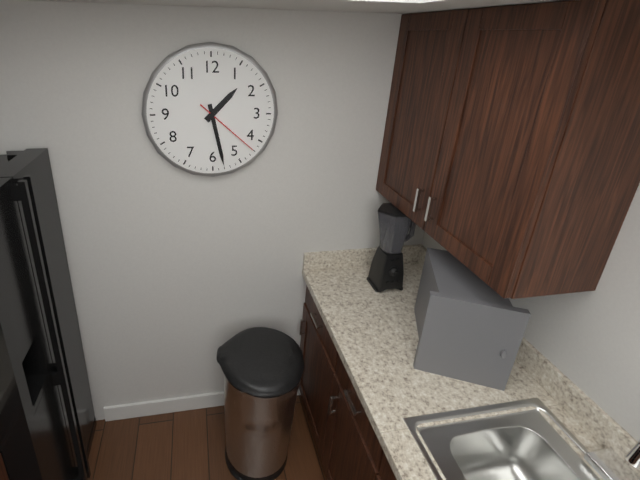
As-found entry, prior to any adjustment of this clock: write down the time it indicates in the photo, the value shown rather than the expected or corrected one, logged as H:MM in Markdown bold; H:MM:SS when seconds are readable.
**1:28:22**
